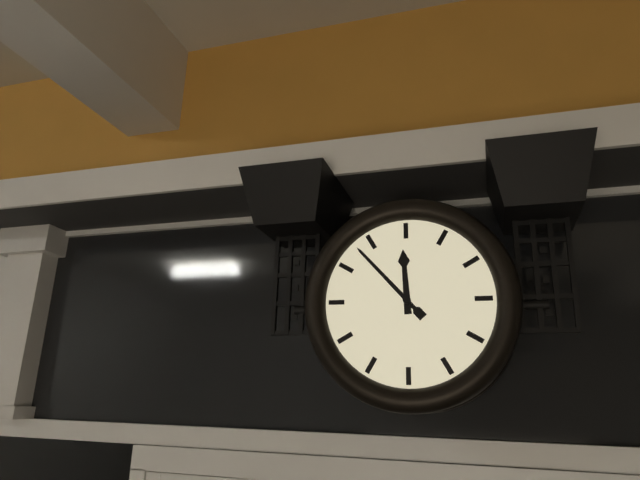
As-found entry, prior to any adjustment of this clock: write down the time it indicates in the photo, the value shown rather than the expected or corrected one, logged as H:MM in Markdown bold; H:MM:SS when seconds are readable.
**11:53**
